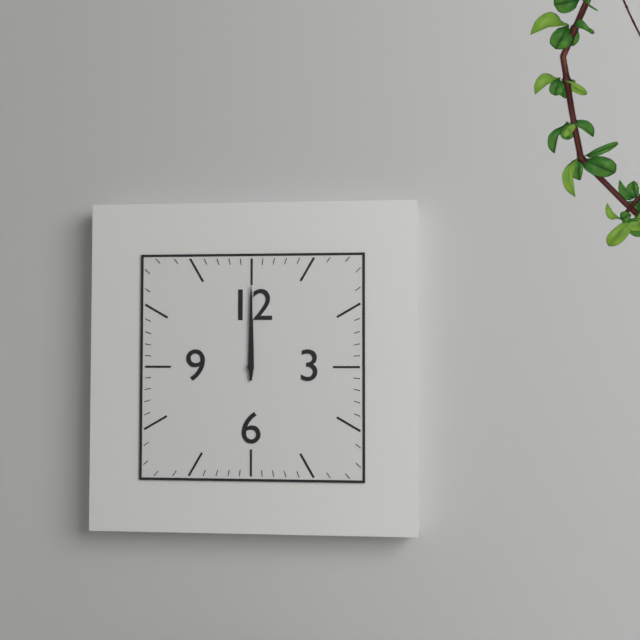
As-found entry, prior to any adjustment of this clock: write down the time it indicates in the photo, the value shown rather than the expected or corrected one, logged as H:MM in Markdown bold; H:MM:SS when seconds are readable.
**12:00**
